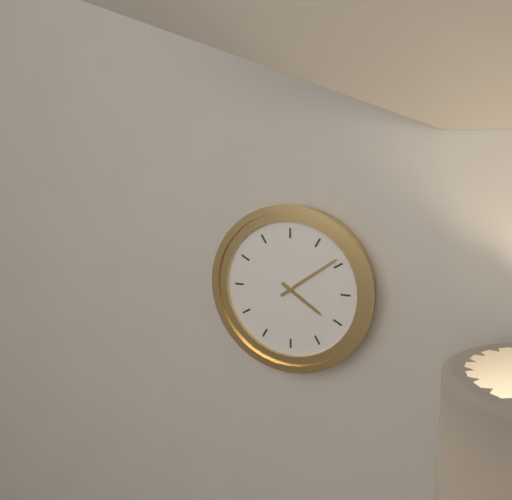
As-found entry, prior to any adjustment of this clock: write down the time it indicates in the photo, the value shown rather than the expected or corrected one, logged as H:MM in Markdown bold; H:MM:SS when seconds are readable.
**4:09**
